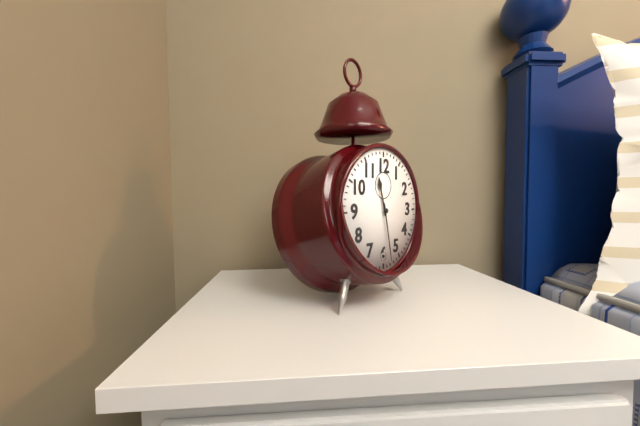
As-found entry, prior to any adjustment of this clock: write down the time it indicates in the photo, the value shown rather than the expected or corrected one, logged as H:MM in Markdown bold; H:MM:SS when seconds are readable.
**11:28**
